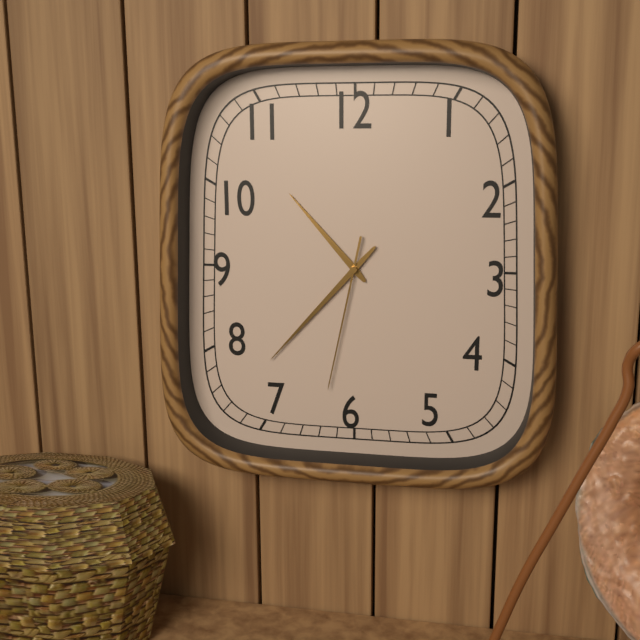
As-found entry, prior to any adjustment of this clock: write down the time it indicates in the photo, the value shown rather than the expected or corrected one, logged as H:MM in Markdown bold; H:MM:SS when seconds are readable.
**10:37:32**
